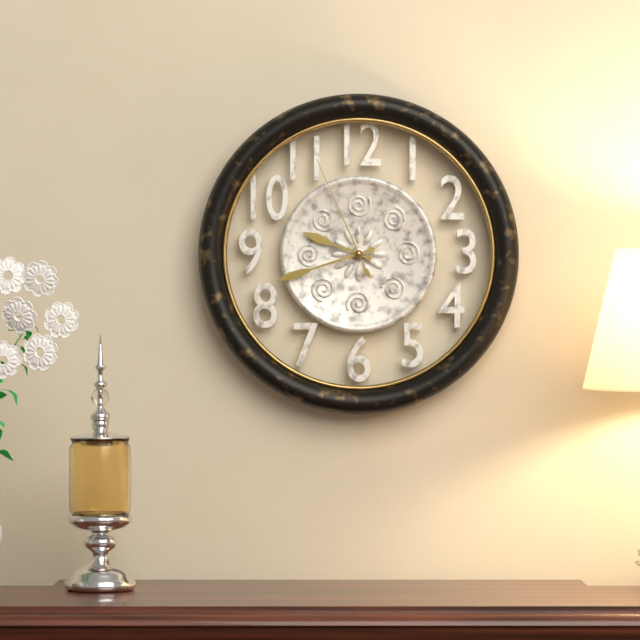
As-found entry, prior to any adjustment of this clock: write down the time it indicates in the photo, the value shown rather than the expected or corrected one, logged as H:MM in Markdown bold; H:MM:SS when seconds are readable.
**9:42:56**
